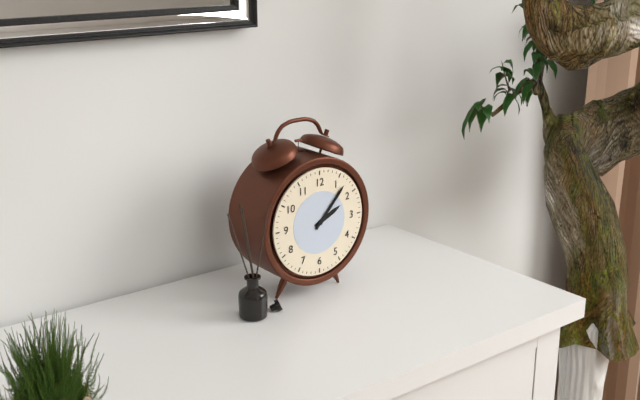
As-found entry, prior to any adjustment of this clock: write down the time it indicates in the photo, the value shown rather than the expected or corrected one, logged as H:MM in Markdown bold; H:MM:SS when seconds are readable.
**2:07**
